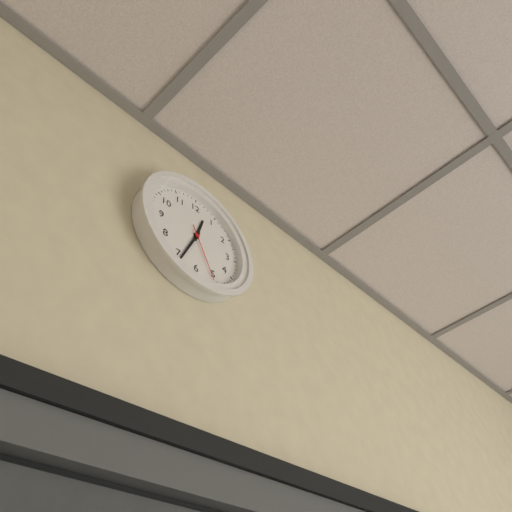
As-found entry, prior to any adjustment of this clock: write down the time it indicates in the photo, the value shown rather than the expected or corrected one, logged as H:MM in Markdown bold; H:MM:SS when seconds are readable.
**12:34:26**
